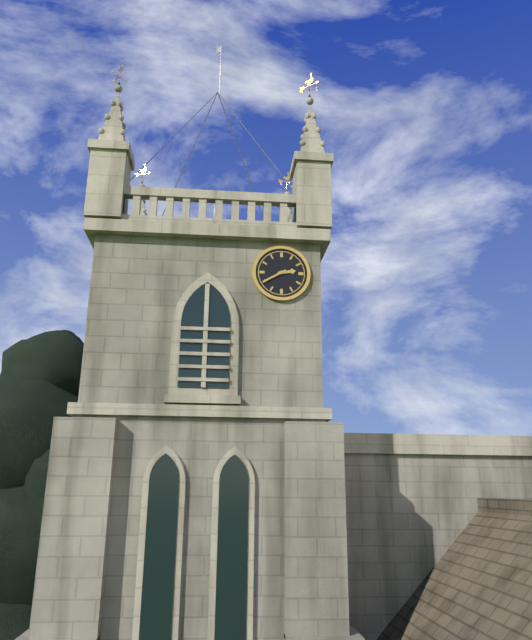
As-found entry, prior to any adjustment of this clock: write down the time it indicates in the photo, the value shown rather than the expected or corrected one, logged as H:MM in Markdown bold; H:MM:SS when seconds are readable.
**2:40**
